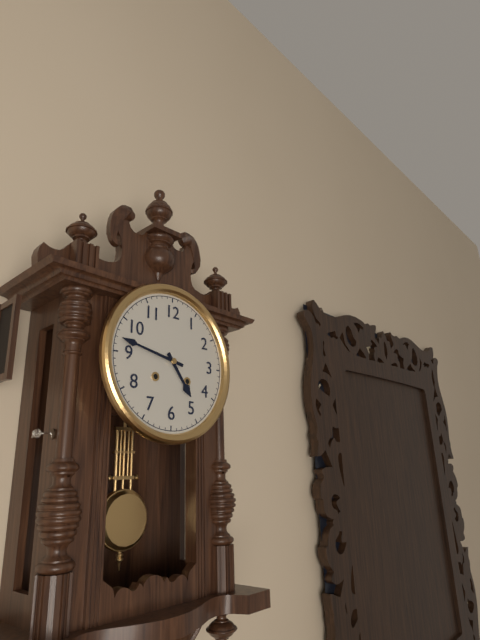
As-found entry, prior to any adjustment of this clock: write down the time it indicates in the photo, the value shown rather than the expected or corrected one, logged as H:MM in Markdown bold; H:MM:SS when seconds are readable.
**4:47**
